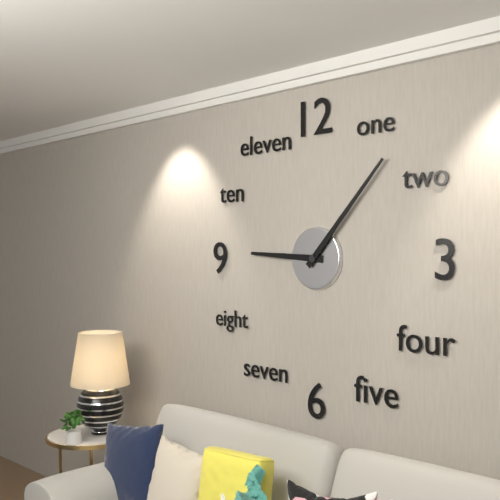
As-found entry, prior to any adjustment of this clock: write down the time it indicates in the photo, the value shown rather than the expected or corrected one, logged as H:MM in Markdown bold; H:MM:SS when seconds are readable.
**9:07**
